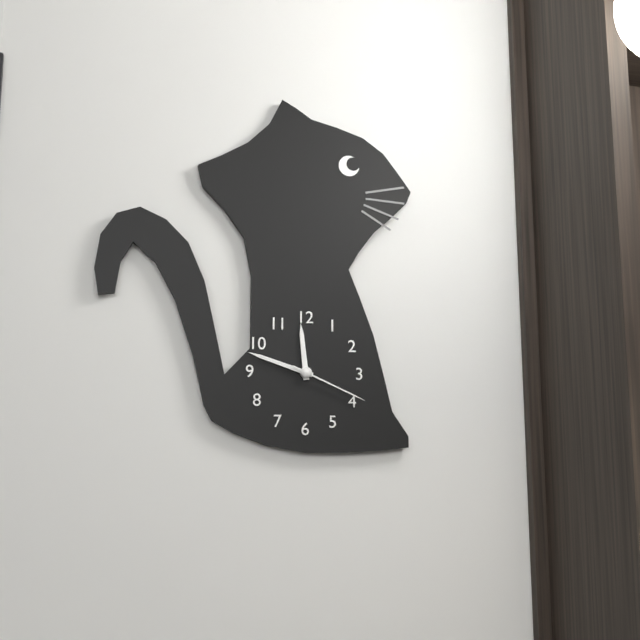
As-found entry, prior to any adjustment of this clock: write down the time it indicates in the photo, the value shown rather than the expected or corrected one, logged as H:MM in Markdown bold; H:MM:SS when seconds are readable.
**11:48:19**
